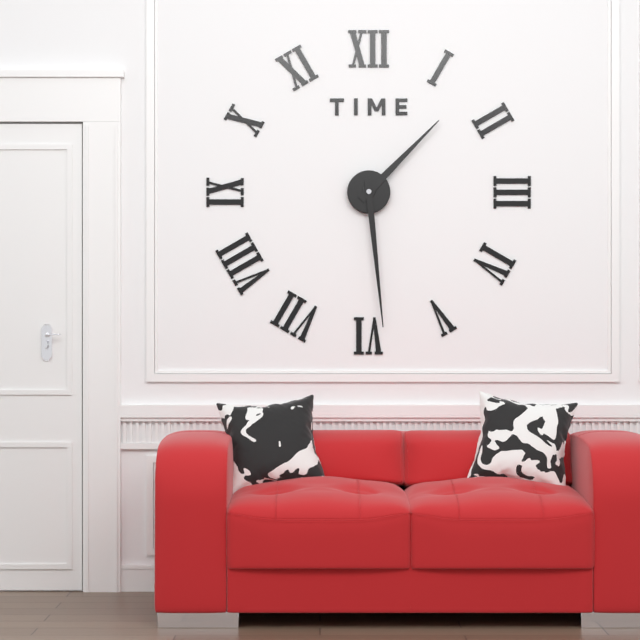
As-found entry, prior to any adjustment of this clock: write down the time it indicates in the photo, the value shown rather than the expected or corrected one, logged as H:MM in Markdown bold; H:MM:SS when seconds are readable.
**1:29**
